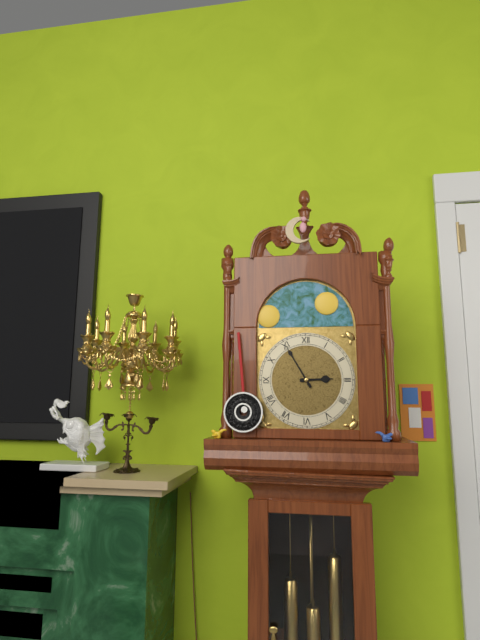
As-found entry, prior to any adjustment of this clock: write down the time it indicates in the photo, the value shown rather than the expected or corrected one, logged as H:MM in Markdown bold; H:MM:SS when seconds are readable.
**2:55**
